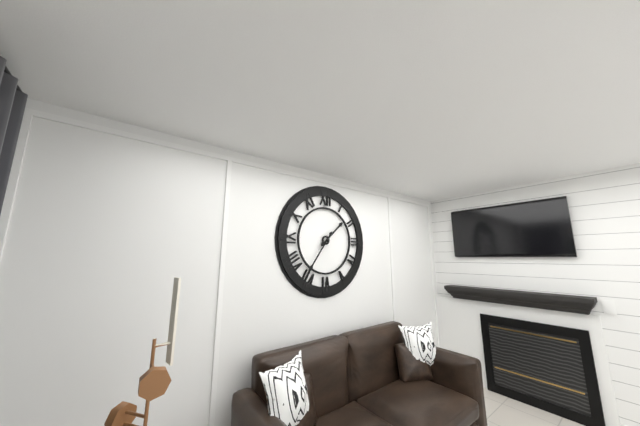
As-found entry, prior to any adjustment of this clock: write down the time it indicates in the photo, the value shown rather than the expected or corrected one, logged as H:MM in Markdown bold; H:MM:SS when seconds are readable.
**1:36**
